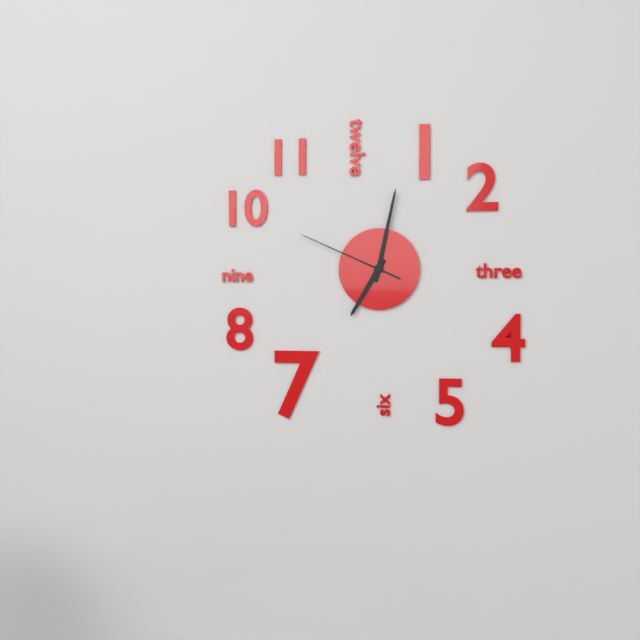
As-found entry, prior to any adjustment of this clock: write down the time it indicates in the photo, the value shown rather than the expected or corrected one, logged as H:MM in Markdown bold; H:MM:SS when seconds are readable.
**7:02:49**
